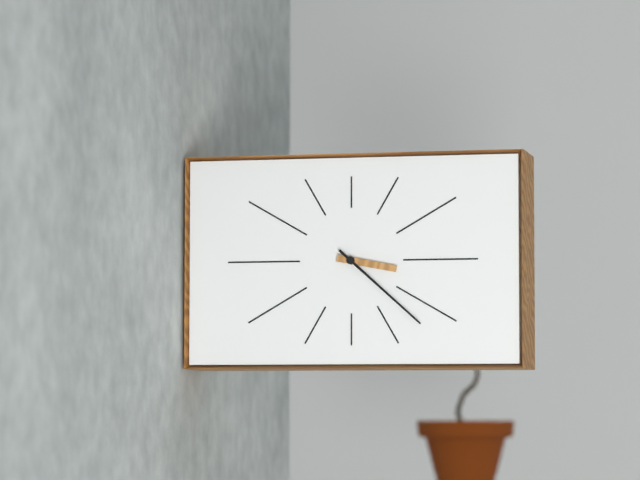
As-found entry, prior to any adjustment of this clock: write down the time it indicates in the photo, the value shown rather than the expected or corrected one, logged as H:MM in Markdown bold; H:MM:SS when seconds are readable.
**3:22**
